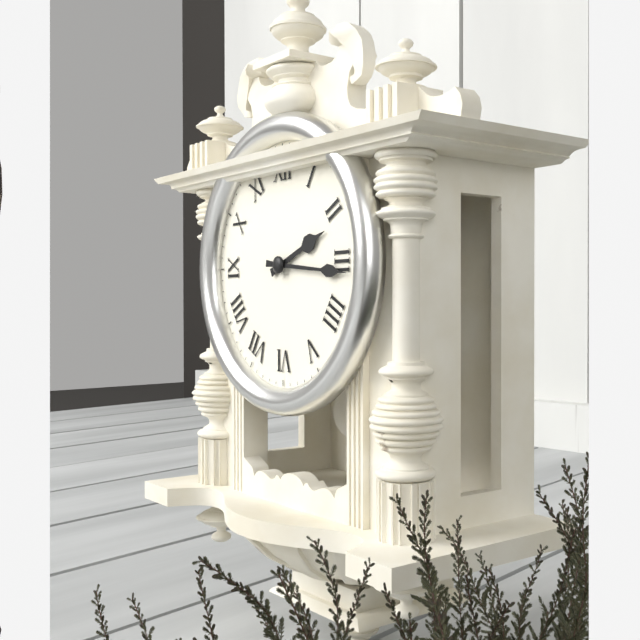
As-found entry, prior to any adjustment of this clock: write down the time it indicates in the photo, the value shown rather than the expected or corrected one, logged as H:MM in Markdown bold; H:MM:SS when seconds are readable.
**2:16**
